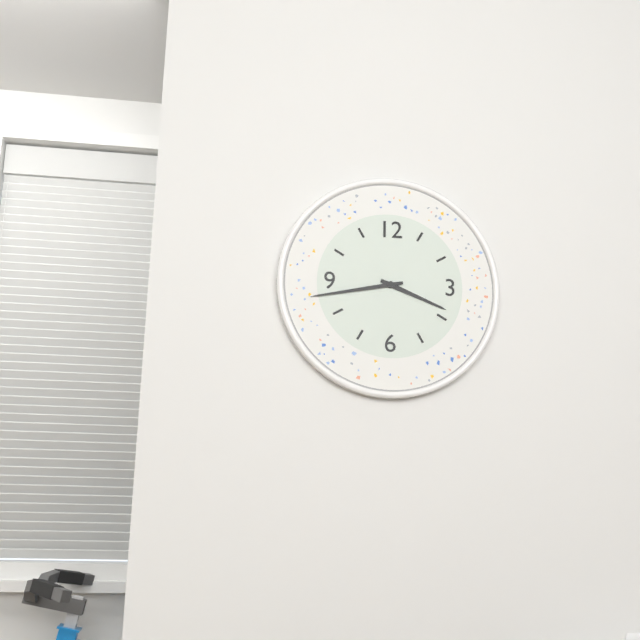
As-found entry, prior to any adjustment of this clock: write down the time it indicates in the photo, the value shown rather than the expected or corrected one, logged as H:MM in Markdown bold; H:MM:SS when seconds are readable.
**3:43**
